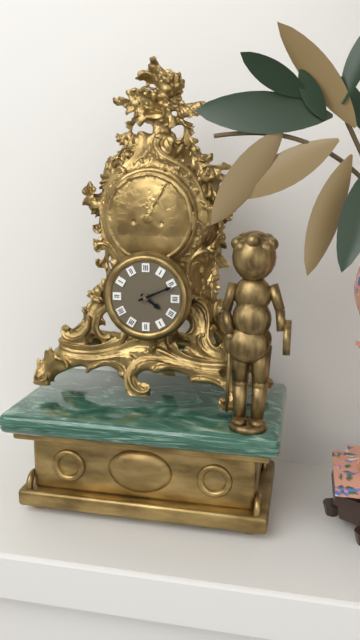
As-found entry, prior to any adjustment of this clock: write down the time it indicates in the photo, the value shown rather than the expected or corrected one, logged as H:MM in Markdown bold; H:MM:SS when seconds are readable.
**4:11**
